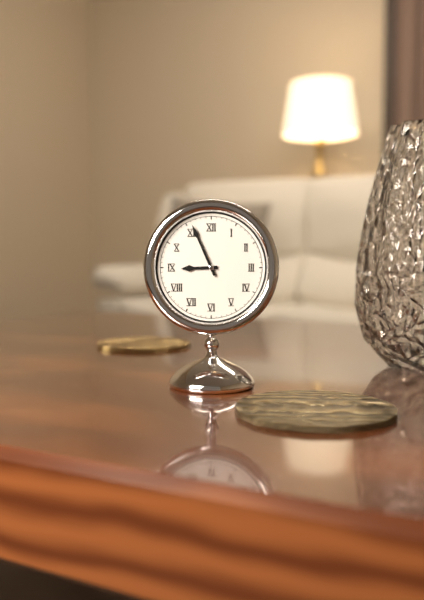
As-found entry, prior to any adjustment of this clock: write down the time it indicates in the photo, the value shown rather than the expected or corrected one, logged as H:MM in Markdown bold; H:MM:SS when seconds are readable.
**8:56**
